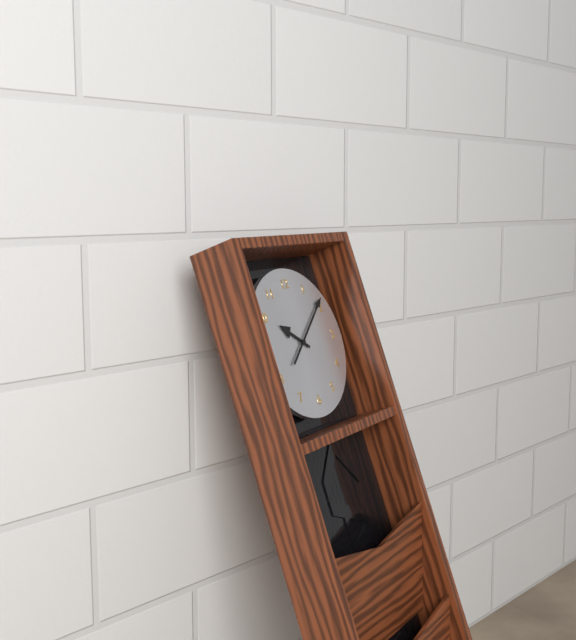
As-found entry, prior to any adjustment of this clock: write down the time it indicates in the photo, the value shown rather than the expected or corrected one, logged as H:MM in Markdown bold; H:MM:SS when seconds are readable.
**10:09**
